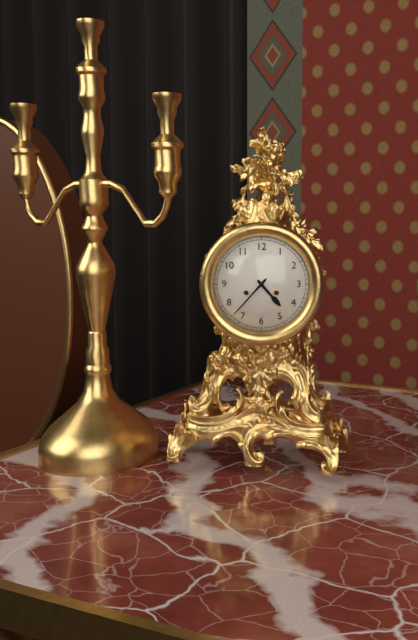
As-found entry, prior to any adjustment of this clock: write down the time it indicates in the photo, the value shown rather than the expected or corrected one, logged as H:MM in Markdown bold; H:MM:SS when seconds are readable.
**4:37**
